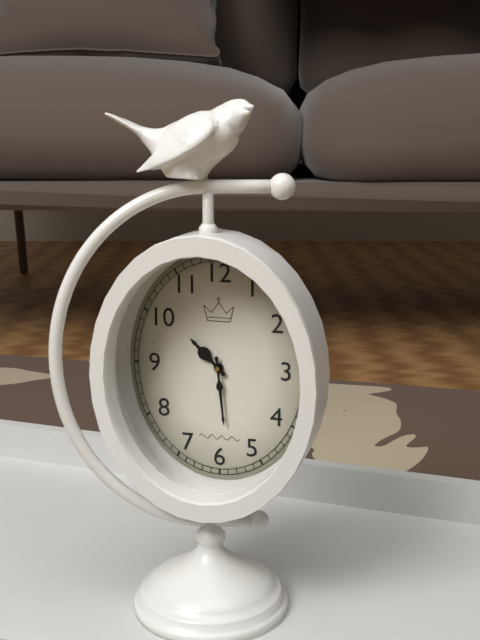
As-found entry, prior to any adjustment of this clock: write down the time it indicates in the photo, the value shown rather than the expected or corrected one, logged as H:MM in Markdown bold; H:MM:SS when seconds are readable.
**10:29**
